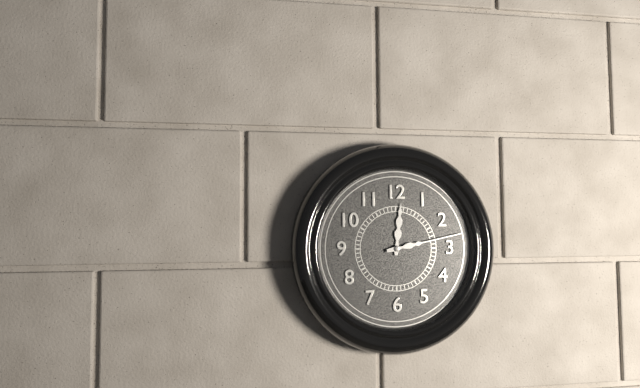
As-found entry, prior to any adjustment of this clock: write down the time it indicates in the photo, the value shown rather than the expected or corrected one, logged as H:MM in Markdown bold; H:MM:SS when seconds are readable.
**12:13**
